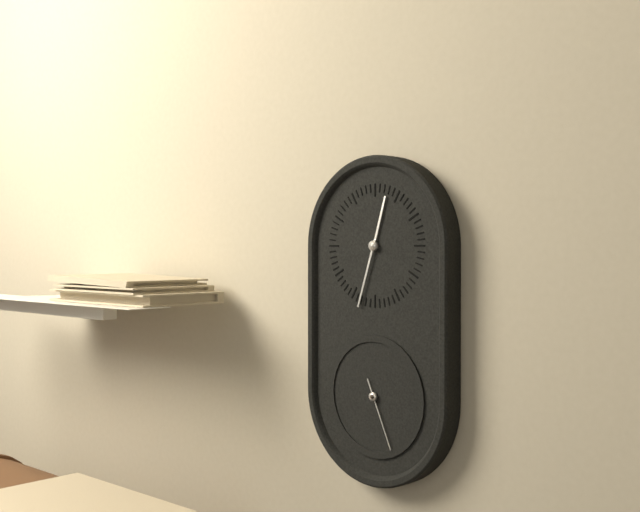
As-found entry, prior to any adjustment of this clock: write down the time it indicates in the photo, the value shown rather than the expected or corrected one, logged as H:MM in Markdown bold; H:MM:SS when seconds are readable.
**12:33:26**
